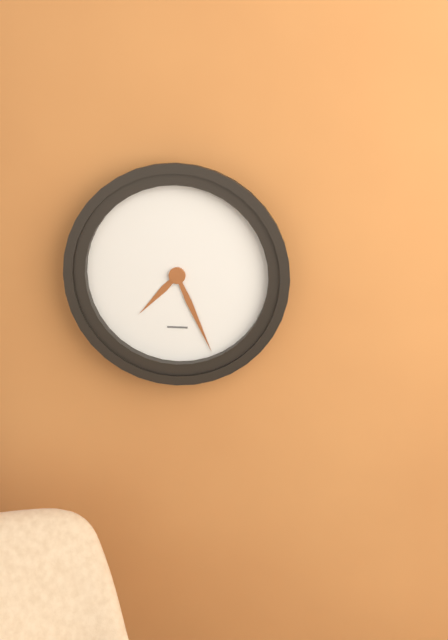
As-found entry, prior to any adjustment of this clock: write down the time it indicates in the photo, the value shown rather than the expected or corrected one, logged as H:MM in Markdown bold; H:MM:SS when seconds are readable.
**7:26**
